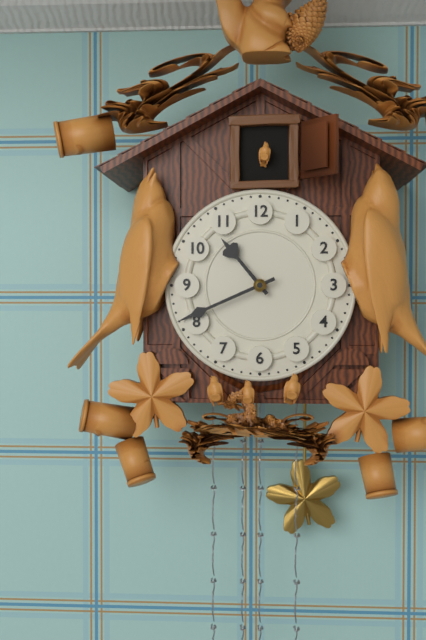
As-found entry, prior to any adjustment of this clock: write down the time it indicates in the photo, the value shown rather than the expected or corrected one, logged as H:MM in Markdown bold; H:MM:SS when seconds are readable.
**10:41**
